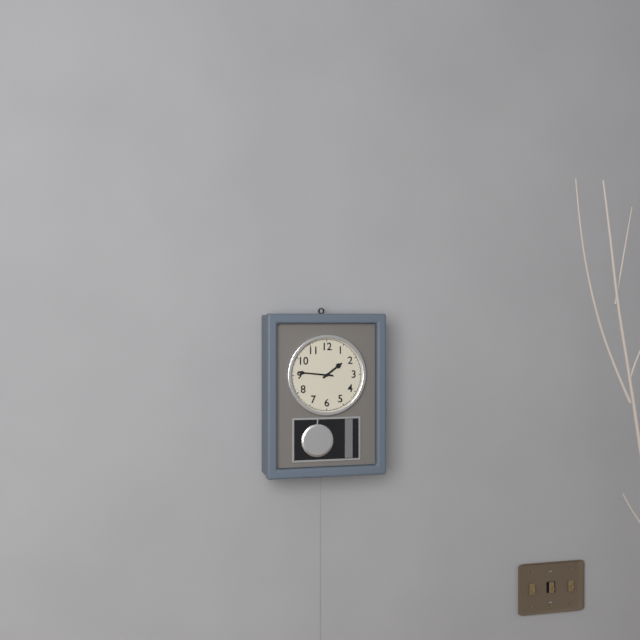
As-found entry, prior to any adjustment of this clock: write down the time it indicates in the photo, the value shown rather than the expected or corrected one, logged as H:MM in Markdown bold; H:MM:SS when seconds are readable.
**1:46**
